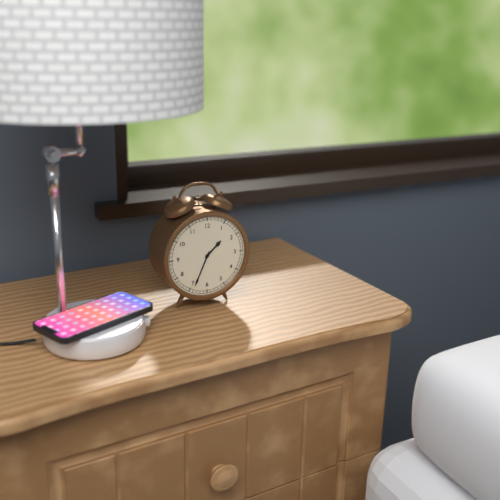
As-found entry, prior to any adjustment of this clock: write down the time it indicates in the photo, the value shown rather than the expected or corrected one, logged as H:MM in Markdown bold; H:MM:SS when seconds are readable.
**1:34**
